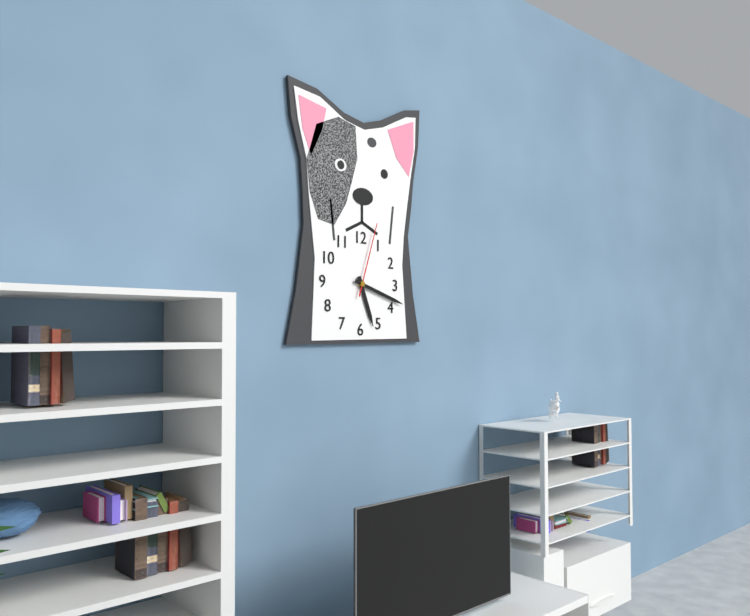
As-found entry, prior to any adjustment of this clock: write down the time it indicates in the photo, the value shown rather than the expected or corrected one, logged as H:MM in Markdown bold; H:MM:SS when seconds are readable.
**5:18:03**
